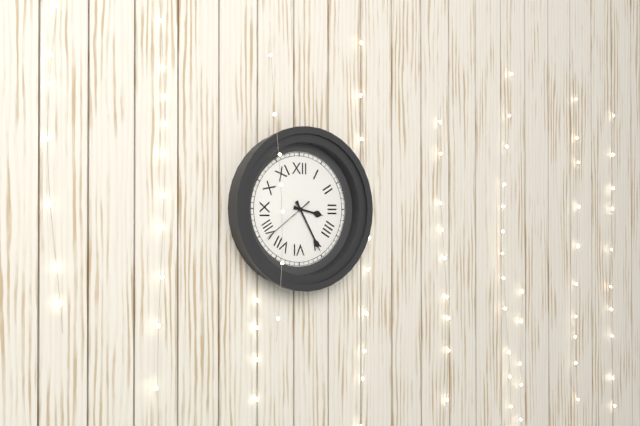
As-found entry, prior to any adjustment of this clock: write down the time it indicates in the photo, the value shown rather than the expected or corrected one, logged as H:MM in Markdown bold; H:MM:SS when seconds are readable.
**3:25:39**
